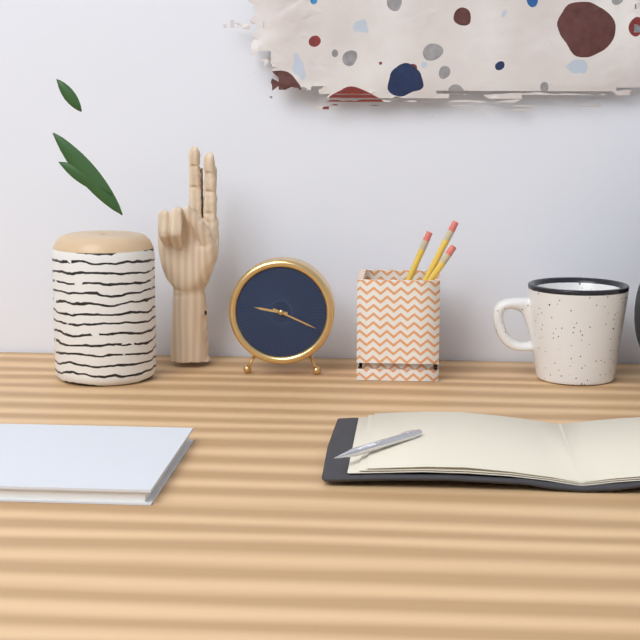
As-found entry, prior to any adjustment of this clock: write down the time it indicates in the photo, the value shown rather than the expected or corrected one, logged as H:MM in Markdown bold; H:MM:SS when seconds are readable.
**9:19**
